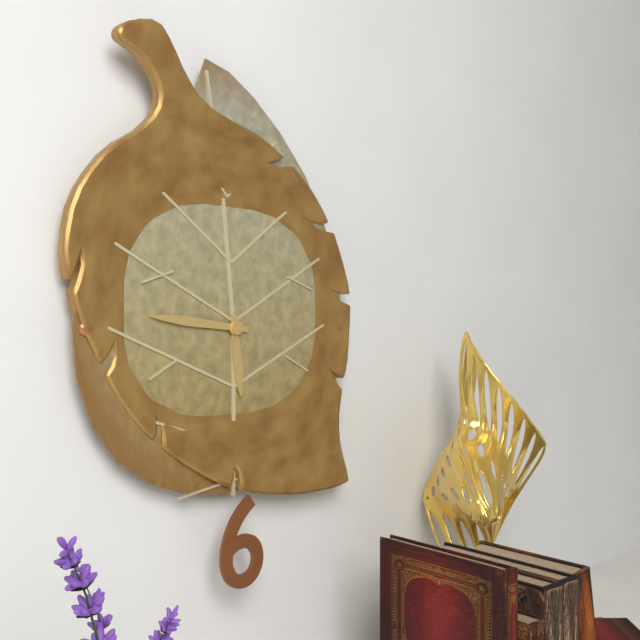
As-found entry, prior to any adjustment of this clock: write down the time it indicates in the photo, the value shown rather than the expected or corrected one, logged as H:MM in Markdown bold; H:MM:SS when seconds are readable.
**5:46**
